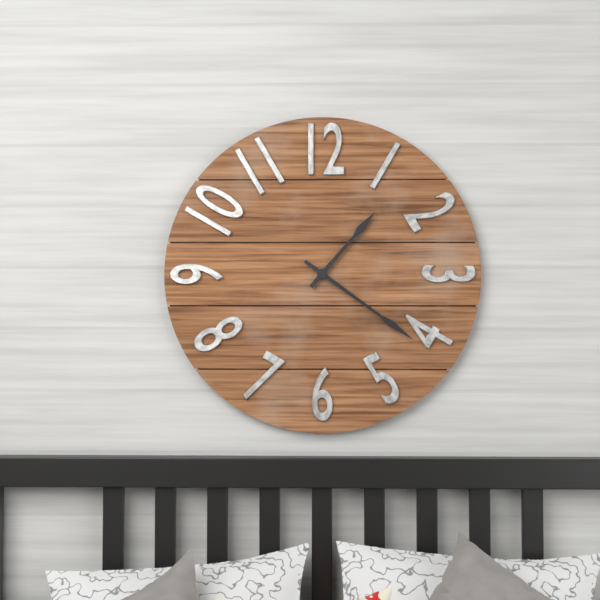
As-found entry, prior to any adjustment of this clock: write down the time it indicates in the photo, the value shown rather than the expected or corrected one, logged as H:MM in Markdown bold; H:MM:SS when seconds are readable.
**1:21**
